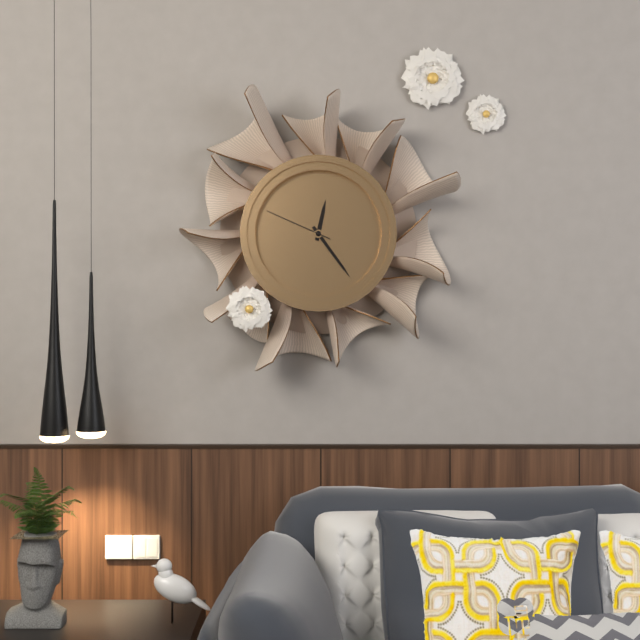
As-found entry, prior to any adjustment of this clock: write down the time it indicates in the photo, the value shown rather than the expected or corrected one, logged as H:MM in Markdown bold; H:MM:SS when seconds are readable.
**12:24:49**
